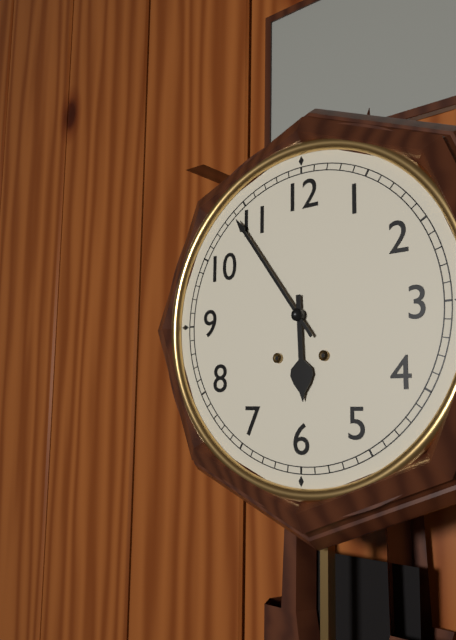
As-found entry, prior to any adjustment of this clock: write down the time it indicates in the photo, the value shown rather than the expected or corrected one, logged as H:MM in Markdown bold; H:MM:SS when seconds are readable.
**5:54**
